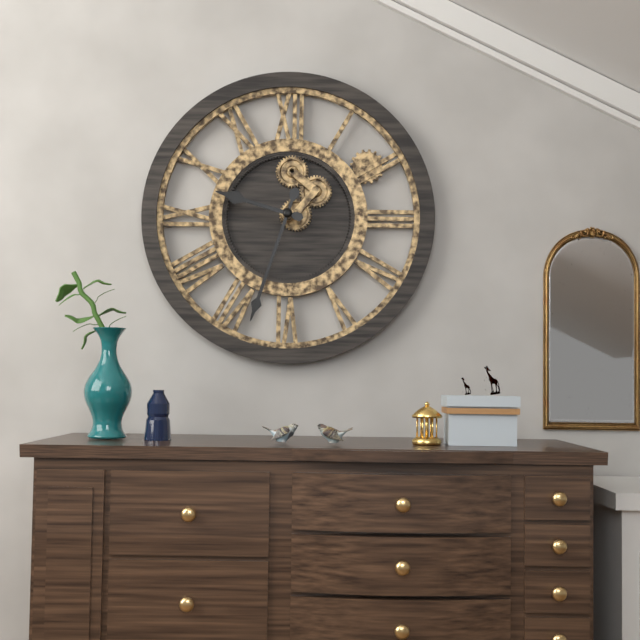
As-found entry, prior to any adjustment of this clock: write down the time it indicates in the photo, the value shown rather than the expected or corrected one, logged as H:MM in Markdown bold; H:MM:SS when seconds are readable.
**9:33**
